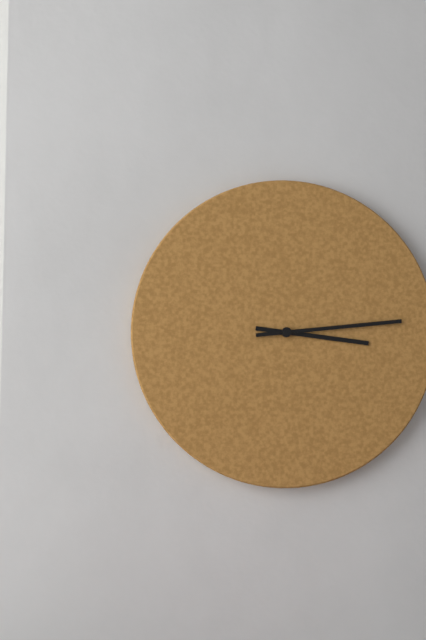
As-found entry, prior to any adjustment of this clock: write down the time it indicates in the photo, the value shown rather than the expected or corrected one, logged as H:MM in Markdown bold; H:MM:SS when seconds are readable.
**3:14**
